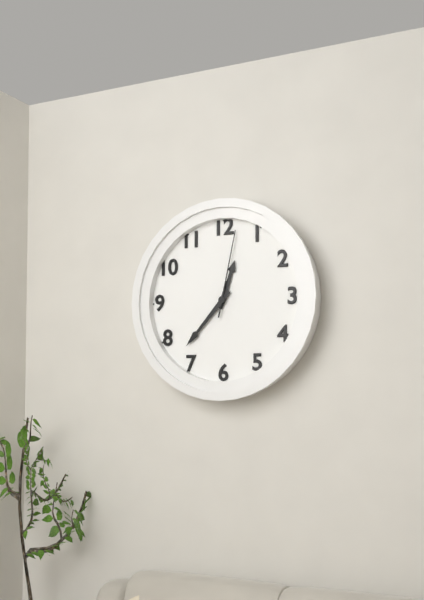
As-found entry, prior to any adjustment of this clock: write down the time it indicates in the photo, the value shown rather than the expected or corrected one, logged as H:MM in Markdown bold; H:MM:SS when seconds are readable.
**12:37:02**
